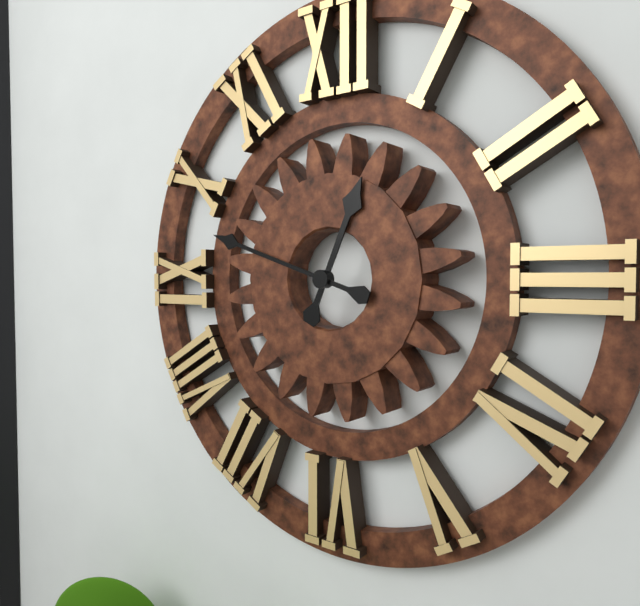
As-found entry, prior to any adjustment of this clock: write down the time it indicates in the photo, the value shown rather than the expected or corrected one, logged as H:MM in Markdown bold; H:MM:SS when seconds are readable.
**12:48**
